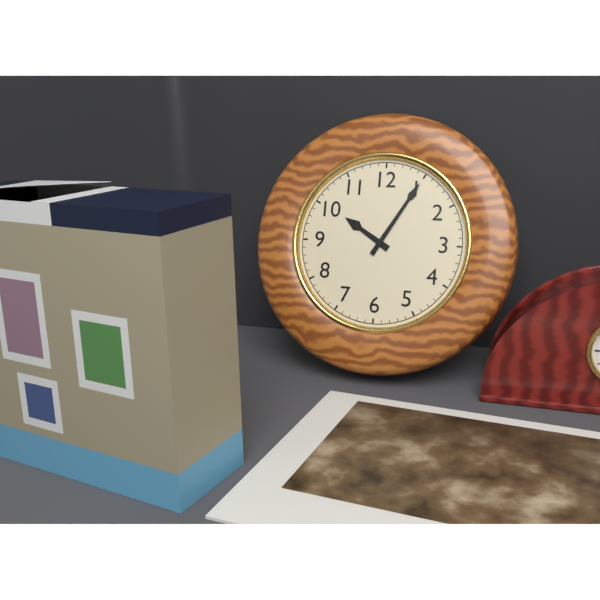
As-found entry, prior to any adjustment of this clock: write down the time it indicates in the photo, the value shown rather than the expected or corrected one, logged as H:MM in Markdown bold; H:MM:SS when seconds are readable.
**10:05**
